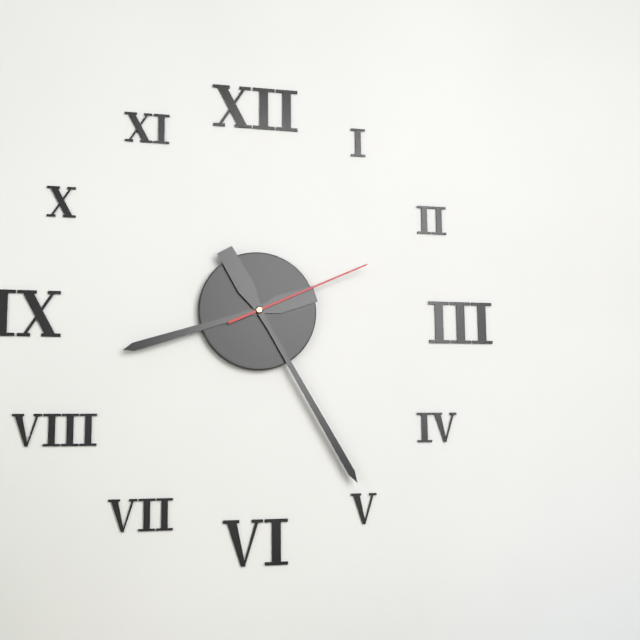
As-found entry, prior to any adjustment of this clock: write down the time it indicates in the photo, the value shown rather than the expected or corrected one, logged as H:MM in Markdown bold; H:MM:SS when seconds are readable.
**8:25:11**
